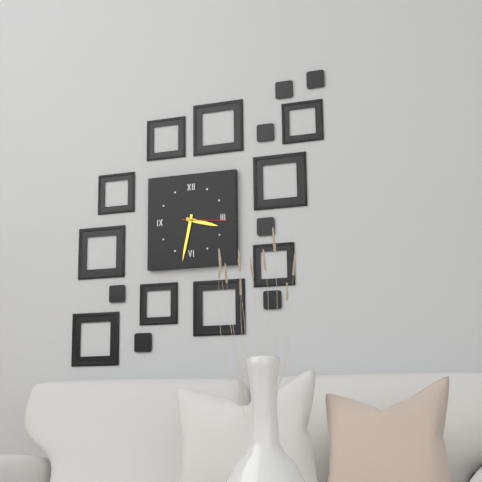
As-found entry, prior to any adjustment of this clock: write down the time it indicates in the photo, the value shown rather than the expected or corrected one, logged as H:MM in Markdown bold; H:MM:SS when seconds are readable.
**3:32**
